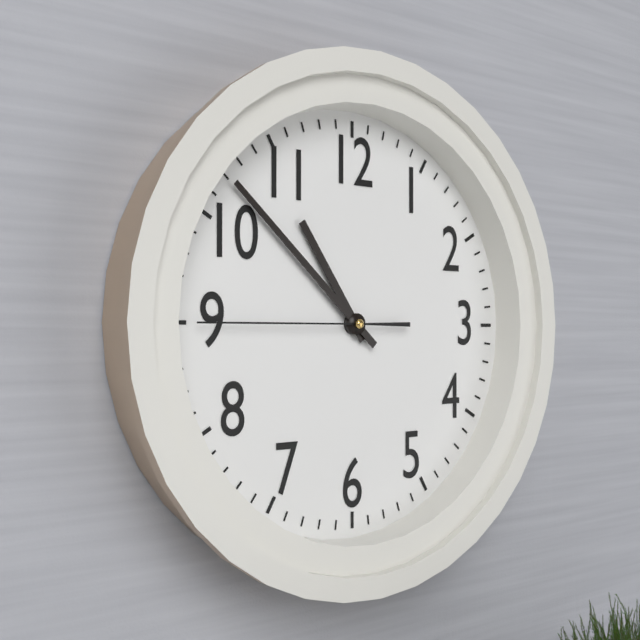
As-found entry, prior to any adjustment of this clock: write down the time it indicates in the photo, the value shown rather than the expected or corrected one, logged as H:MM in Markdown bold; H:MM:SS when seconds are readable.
**10:52:45**
